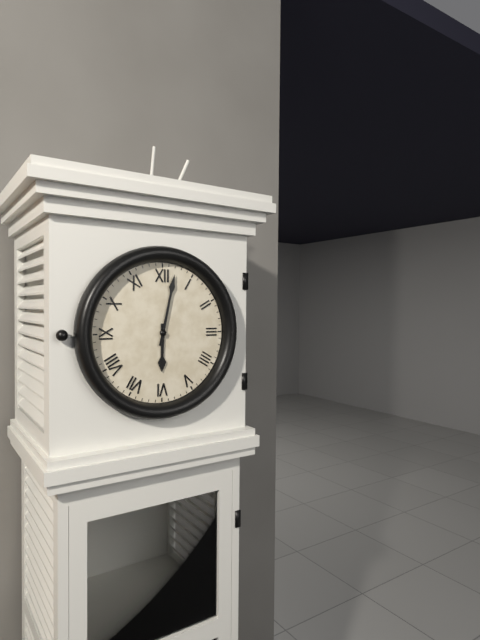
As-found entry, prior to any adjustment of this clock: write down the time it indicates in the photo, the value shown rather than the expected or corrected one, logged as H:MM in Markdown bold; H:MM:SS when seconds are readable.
**6:02**
